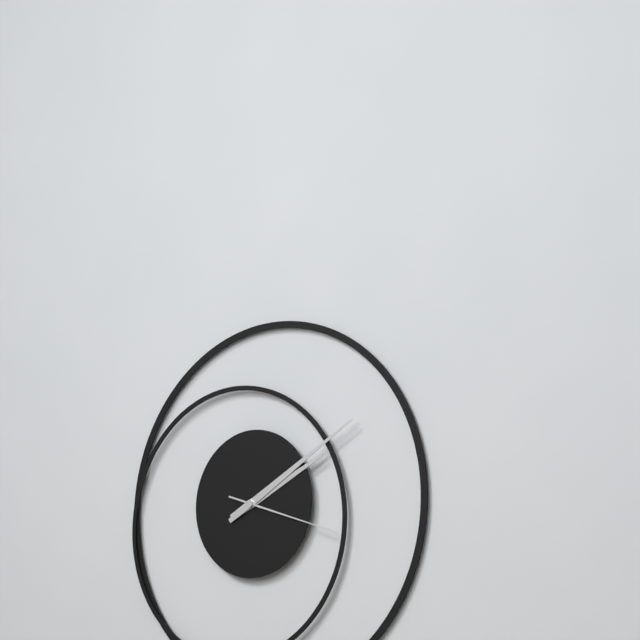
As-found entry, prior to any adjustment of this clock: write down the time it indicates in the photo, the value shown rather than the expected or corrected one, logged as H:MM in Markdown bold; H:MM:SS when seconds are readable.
**2:10:18**
